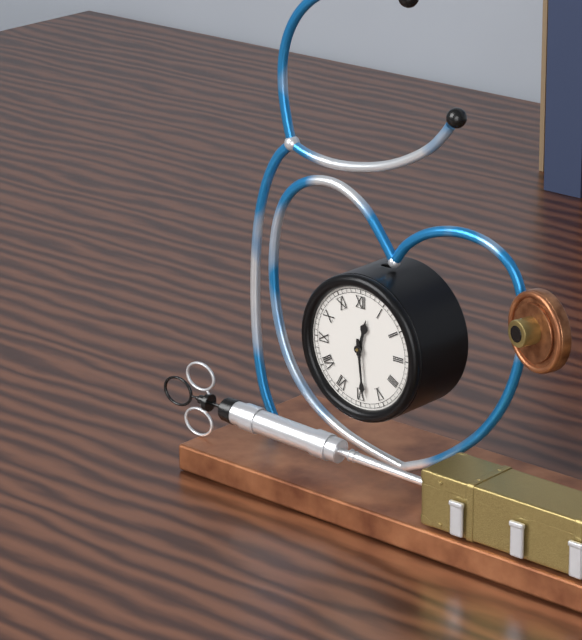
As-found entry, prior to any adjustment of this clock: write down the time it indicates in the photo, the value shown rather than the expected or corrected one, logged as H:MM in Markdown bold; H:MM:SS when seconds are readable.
**12:29**
